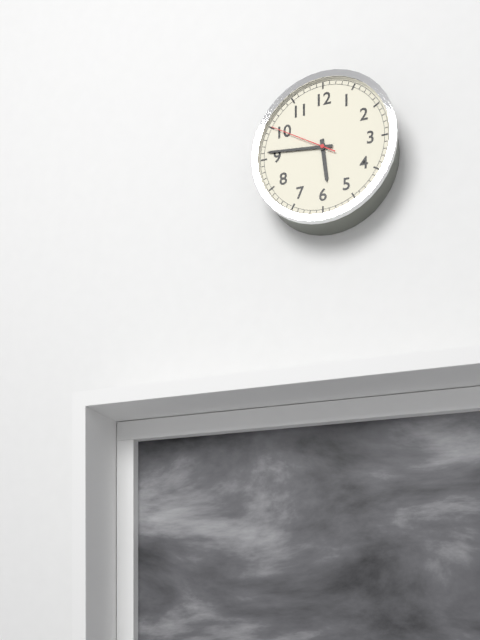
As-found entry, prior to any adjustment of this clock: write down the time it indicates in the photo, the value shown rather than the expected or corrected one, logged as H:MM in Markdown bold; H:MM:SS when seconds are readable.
**5:46:50**
